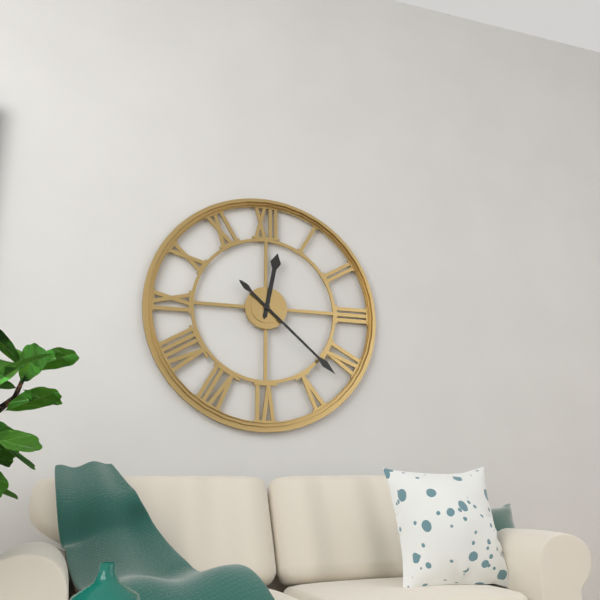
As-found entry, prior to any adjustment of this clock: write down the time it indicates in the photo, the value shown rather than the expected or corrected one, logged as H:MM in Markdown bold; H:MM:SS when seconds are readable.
**12:22**
